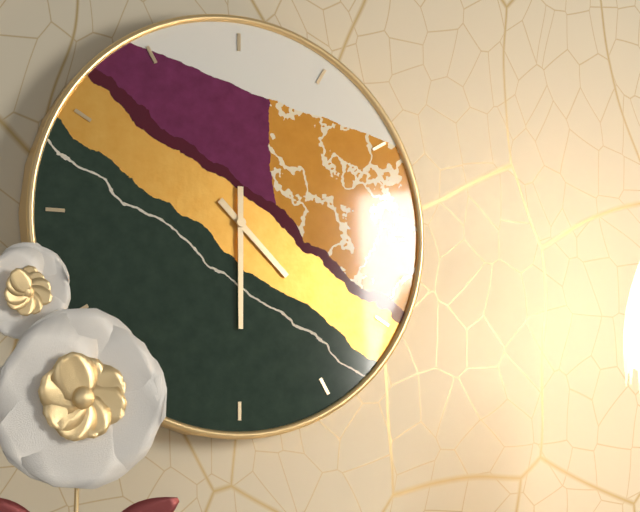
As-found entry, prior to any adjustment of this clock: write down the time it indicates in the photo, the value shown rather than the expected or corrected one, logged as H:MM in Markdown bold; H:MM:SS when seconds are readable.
**4:30**
